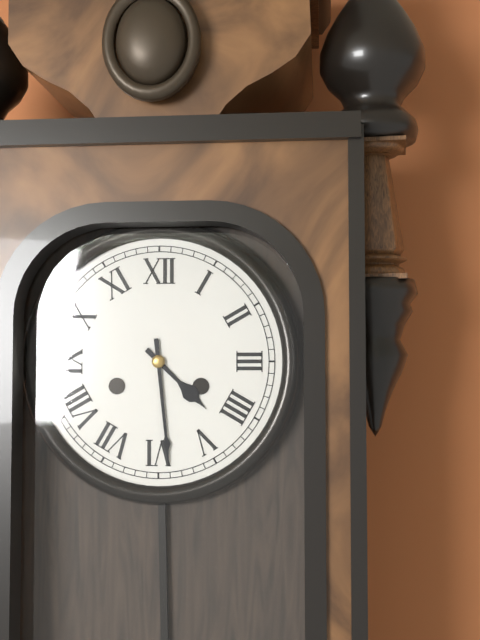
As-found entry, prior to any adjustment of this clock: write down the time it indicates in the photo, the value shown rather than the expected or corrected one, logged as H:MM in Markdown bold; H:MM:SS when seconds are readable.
**4:29**
